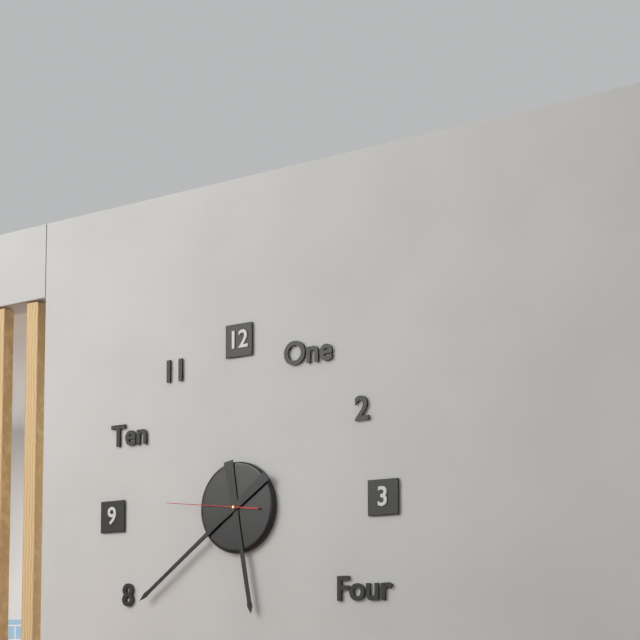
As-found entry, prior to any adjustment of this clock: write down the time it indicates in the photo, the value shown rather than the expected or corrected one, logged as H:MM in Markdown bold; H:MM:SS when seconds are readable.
**5:39:46**
